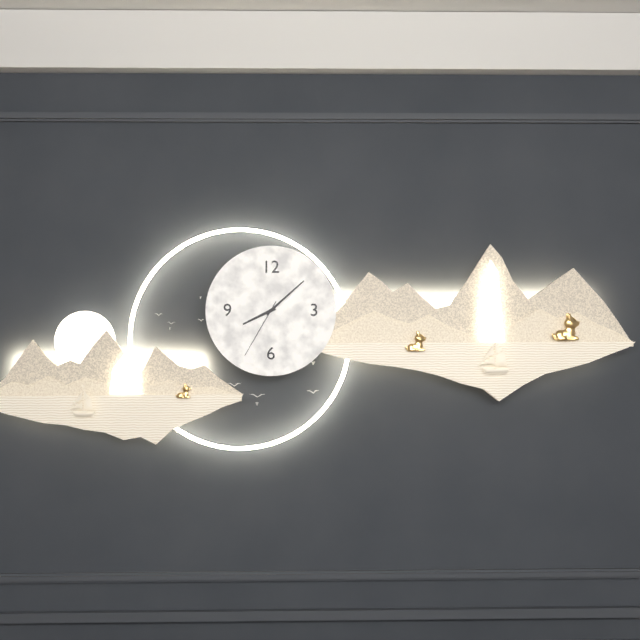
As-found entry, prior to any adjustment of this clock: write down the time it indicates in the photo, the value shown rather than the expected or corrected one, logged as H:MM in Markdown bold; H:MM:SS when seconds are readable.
**8:08:35**
